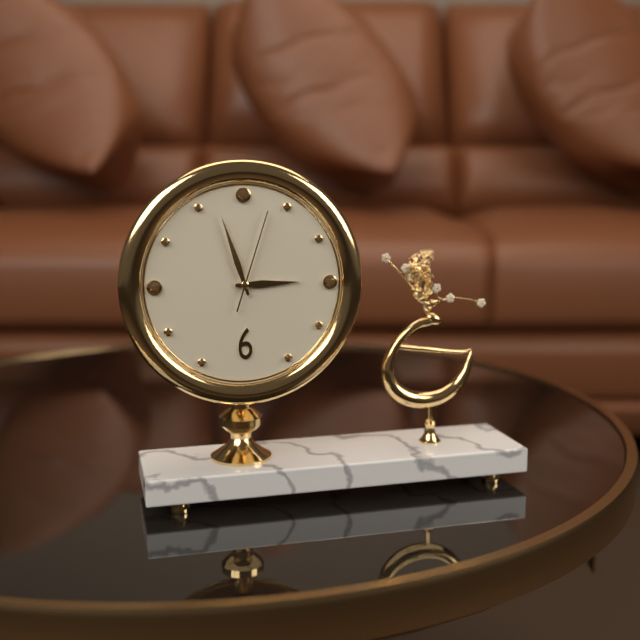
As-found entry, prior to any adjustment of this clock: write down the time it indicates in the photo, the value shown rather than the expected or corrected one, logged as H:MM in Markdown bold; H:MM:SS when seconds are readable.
**2:57:03**
